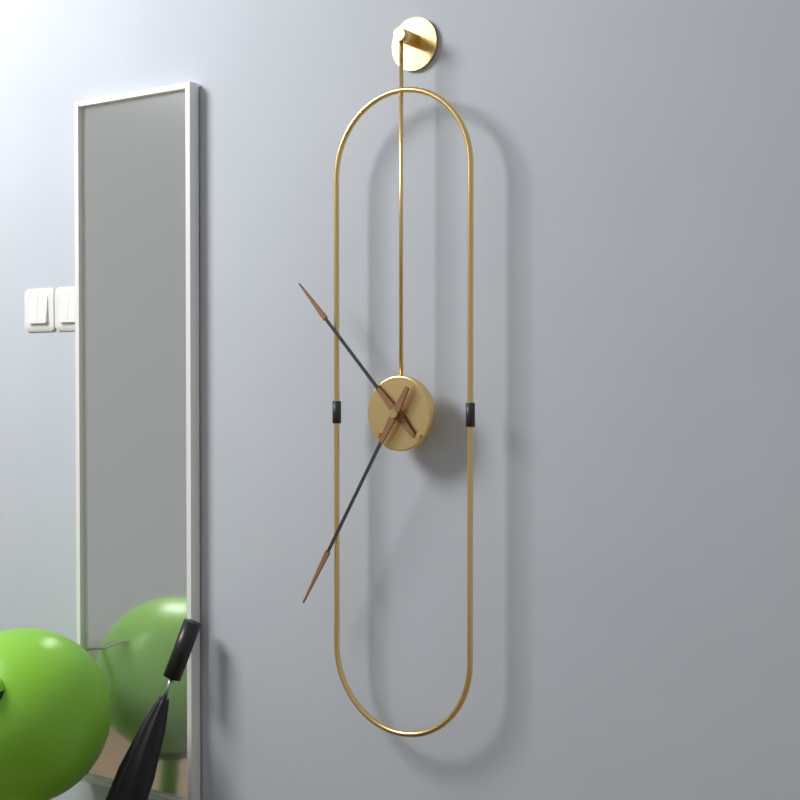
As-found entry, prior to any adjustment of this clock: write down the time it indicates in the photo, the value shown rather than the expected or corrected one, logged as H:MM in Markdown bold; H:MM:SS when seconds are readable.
**10:35**
